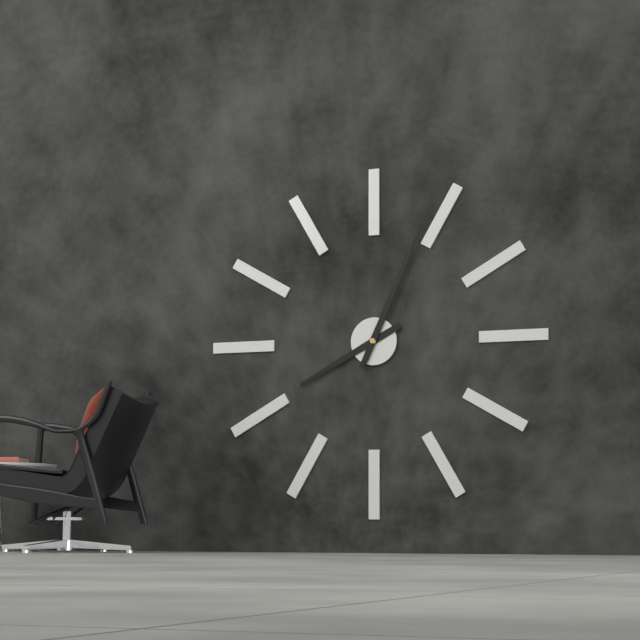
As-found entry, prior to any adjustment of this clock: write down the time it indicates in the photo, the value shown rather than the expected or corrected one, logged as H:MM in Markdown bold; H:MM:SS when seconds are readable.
**8:04**
